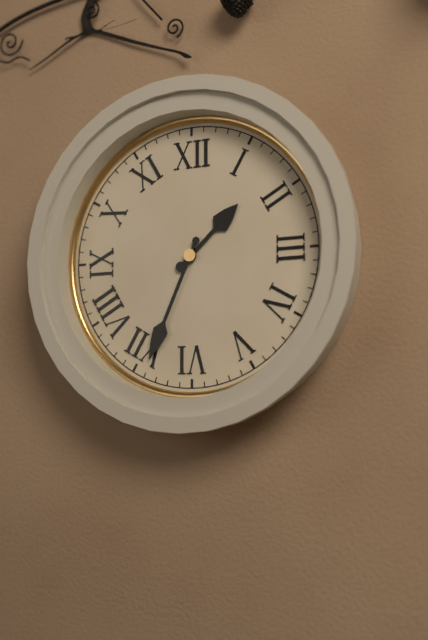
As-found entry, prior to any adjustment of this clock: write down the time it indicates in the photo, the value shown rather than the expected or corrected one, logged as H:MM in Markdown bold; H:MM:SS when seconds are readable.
**1:34**
